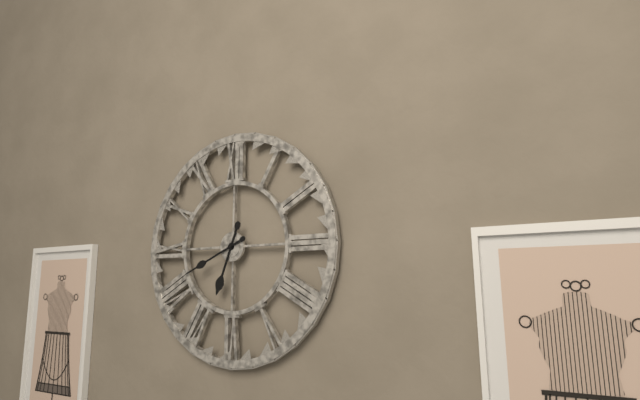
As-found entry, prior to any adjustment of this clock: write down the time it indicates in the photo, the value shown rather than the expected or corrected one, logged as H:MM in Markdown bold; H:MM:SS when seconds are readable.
**6:41**
